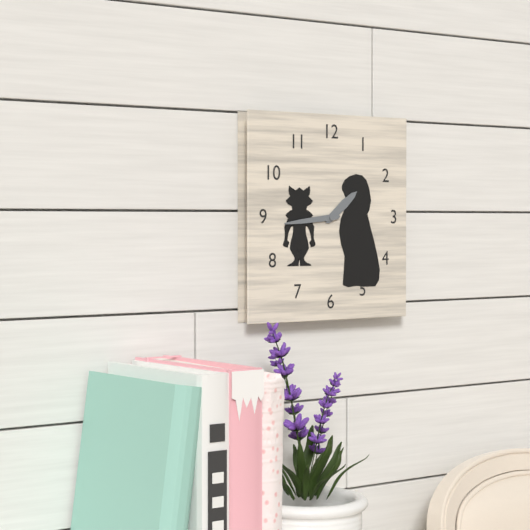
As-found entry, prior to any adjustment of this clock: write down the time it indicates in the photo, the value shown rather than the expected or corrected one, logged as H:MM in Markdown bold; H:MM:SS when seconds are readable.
**1:44**
